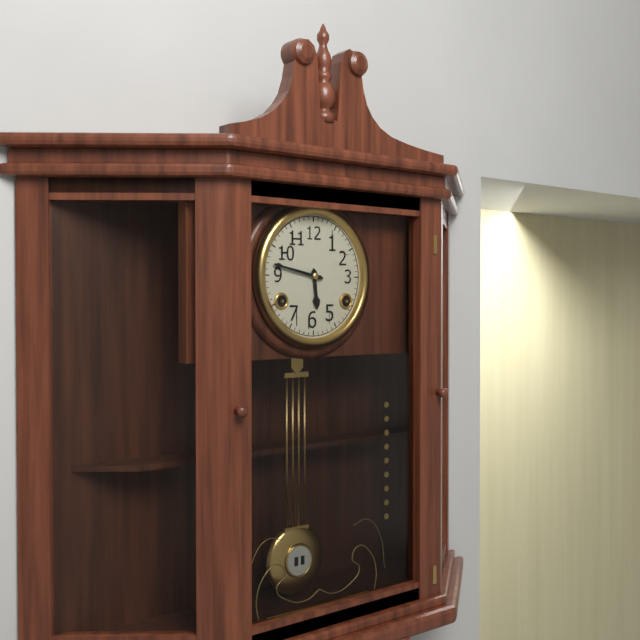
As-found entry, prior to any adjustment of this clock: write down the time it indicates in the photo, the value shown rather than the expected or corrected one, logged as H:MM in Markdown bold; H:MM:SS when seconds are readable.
**5:47**
